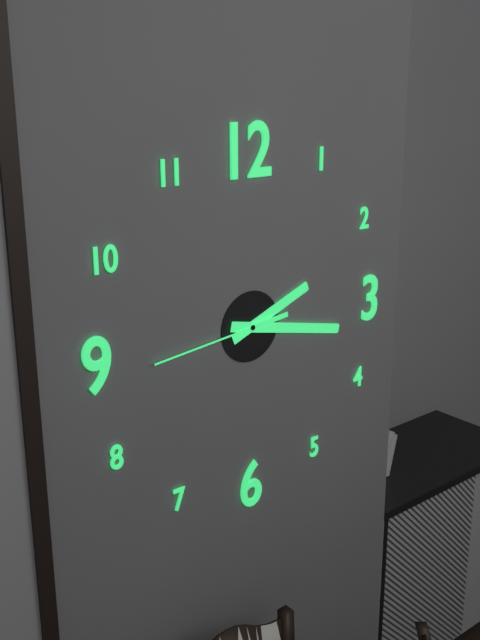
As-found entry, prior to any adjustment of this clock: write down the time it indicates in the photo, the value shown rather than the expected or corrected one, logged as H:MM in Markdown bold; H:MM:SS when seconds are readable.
**2:17:44**
